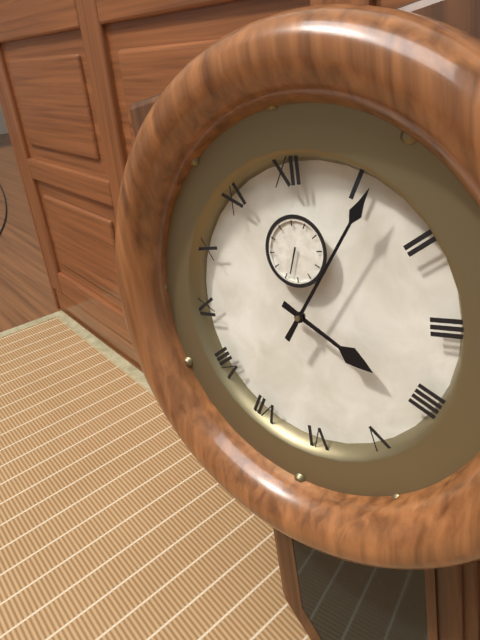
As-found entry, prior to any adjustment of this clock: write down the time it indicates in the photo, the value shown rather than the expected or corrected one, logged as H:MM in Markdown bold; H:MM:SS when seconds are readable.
**4:06**
